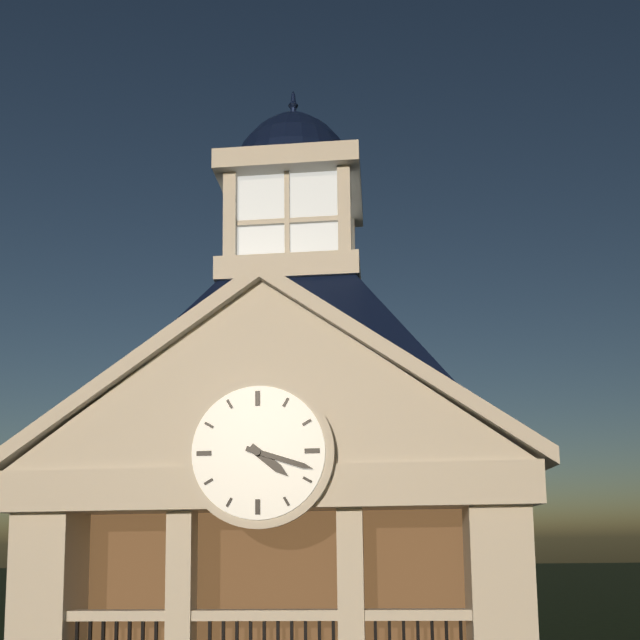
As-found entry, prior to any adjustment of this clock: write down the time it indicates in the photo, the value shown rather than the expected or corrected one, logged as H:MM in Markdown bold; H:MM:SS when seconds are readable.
**4:18**
